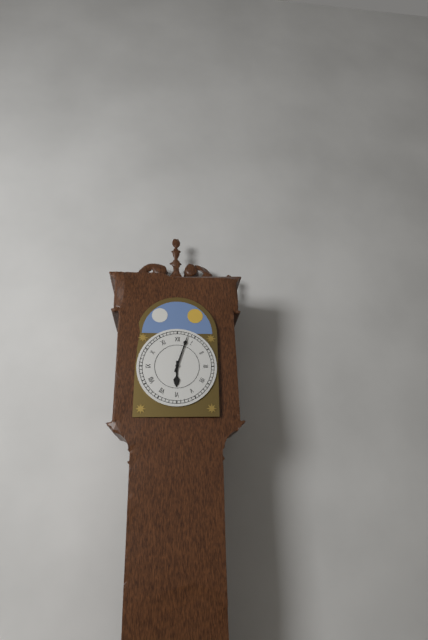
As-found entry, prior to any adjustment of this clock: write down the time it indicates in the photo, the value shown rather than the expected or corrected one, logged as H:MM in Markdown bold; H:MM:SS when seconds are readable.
**6:03**
